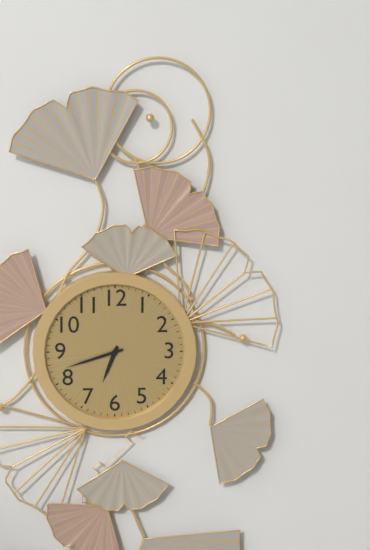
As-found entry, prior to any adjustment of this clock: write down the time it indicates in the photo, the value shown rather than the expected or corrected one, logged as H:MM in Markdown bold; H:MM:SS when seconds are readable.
**6:42**
